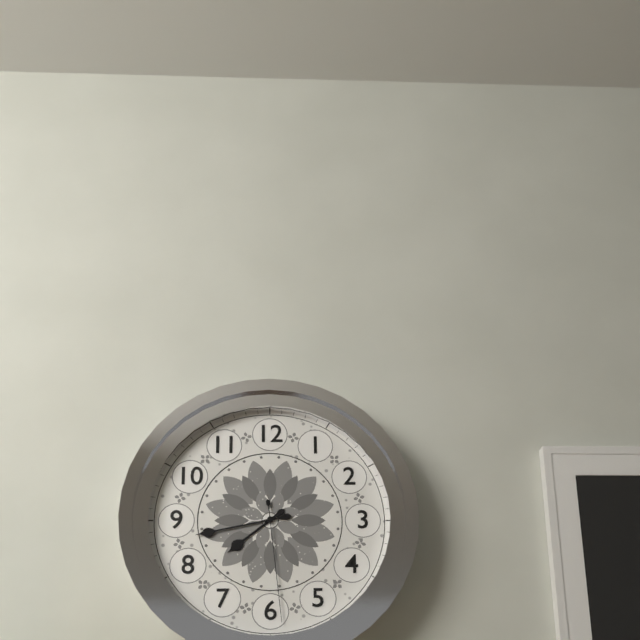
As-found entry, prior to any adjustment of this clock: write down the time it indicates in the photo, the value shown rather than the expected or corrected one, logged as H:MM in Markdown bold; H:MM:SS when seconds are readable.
**7:43:29**
